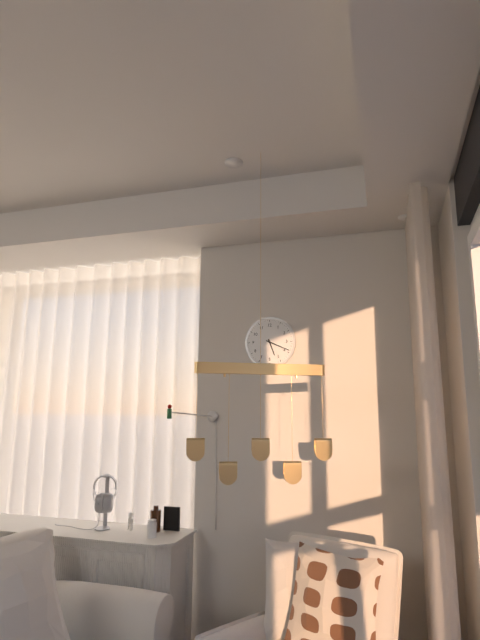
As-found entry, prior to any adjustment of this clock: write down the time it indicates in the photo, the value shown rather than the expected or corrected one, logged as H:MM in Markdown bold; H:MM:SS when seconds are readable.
**5:19**
